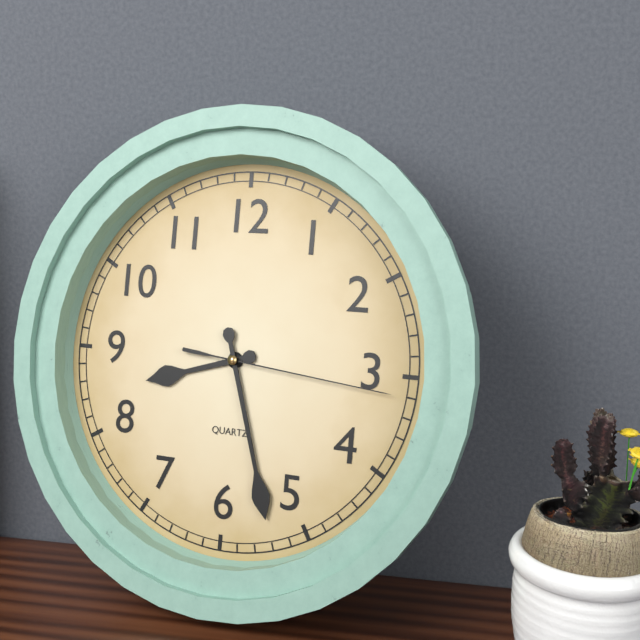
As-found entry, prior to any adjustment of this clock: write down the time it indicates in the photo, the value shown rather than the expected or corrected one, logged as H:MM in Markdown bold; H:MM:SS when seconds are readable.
**8:27:16**
